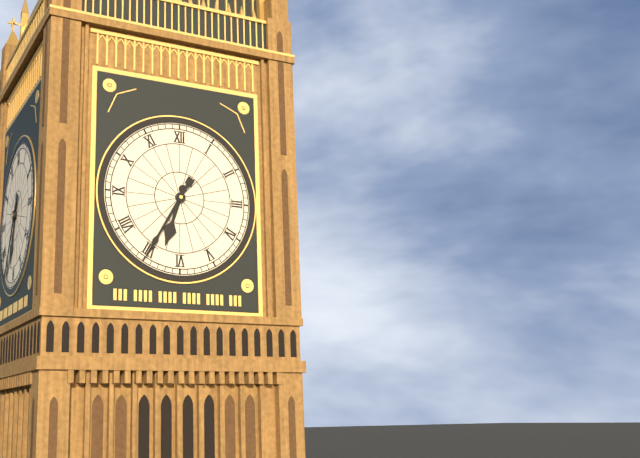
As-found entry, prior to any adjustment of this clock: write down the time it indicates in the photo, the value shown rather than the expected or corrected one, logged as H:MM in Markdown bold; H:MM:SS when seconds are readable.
**6:35**
